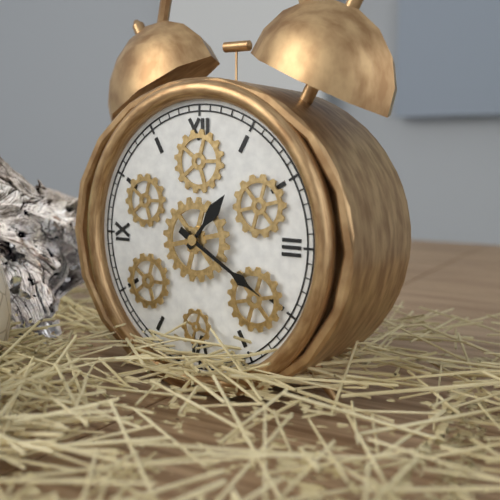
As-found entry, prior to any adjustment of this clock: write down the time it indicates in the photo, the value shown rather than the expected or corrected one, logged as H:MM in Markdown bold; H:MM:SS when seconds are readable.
**1:20**
